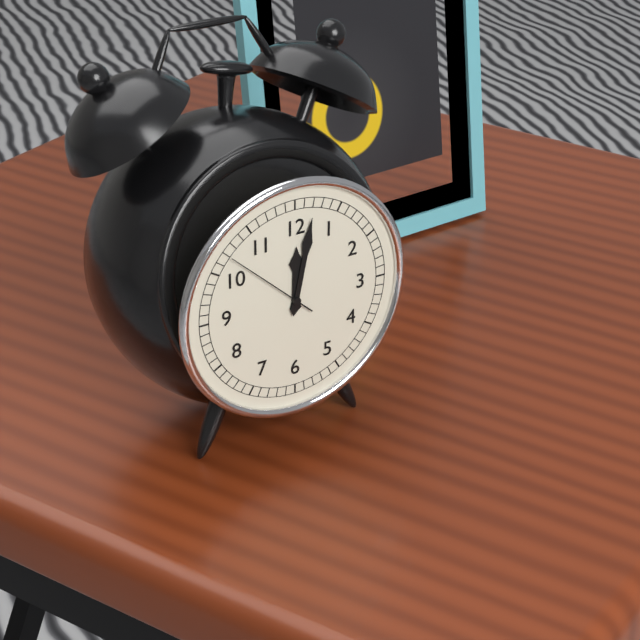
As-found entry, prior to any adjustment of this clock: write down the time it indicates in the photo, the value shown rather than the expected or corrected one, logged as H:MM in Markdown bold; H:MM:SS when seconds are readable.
**12:02:52**
